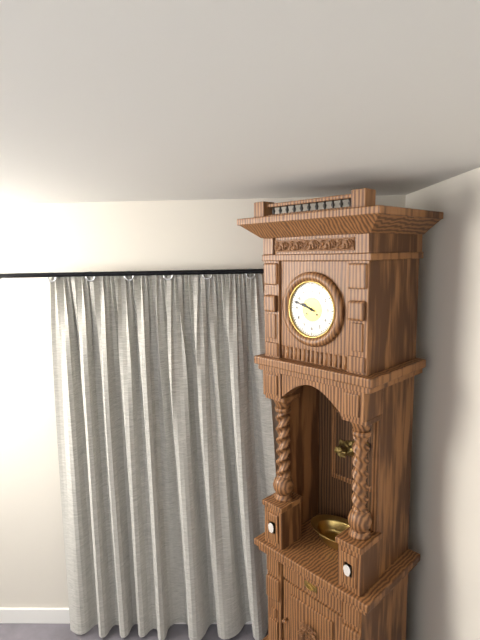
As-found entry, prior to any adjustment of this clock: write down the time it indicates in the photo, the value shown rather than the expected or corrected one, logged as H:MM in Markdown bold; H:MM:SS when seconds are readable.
**9:48**
